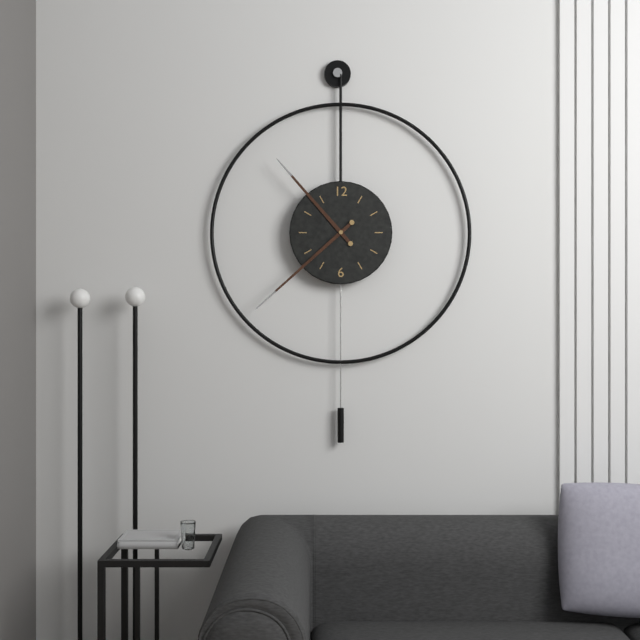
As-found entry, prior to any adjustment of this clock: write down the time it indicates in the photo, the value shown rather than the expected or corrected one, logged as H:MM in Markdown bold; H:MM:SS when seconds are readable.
**10:38**
